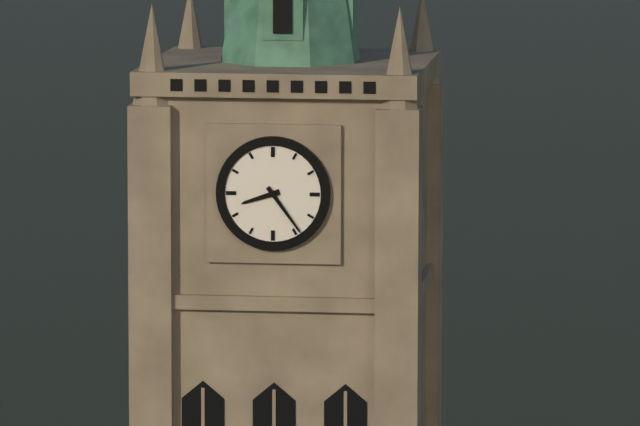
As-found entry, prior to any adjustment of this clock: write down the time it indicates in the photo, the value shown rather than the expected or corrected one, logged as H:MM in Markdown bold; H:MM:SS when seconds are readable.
**8:24**
